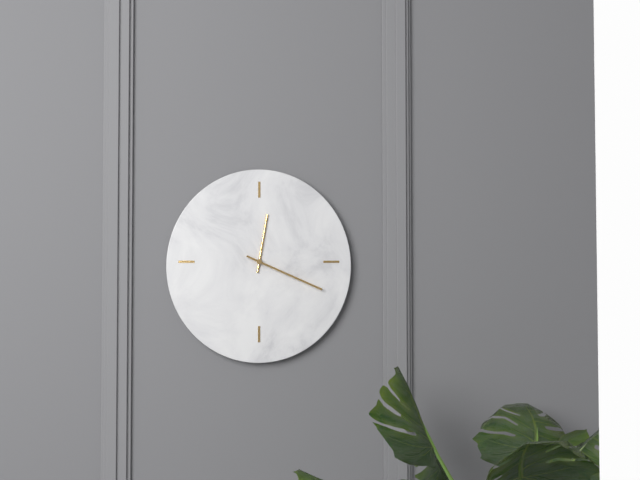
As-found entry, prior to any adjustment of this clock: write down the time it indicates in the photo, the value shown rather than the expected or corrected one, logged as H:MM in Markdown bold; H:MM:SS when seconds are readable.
**12:19**
